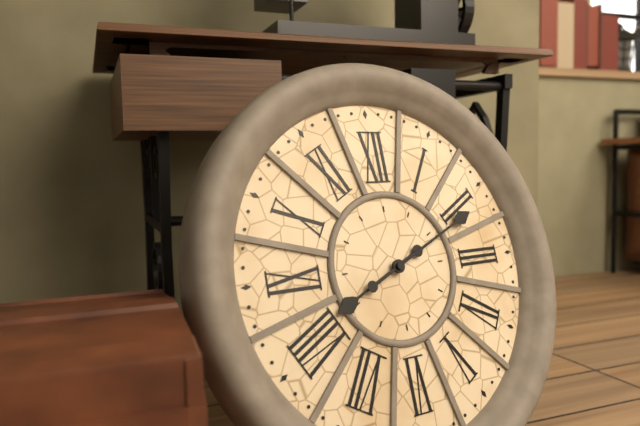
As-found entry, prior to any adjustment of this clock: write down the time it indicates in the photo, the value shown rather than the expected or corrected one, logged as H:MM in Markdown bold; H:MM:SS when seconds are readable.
**8:11**
